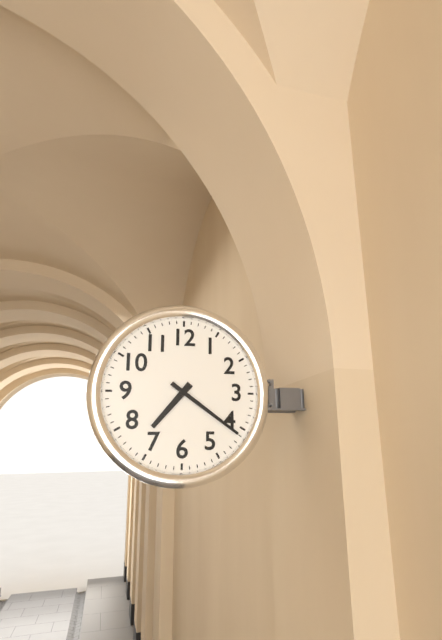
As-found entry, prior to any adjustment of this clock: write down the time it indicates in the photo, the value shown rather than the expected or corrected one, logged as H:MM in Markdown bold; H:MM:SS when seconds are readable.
**7:21**
